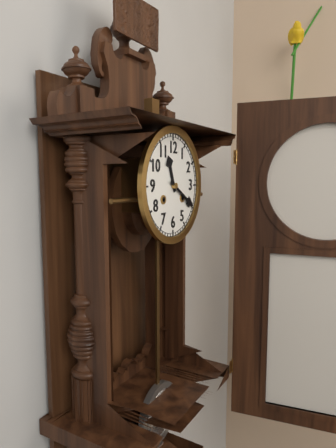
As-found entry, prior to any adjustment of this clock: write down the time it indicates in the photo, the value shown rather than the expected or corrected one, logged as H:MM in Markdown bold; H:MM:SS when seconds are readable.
**11:20**
